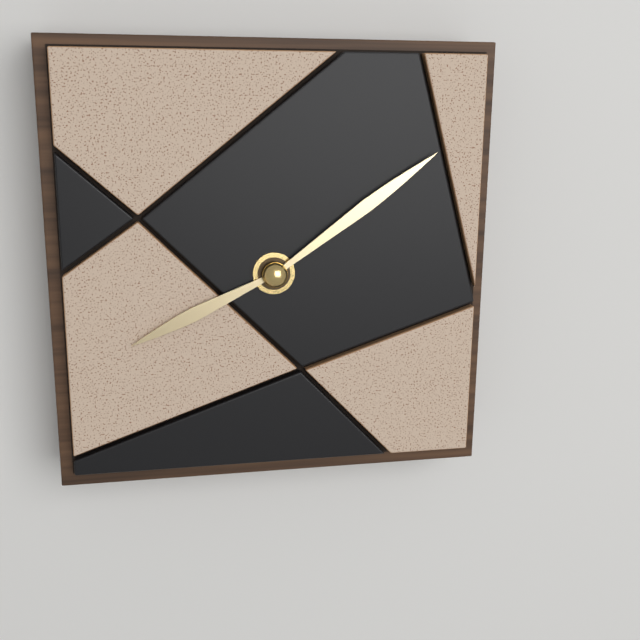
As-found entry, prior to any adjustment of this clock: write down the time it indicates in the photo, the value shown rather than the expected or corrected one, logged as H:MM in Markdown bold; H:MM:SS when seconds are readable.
**8:09**
